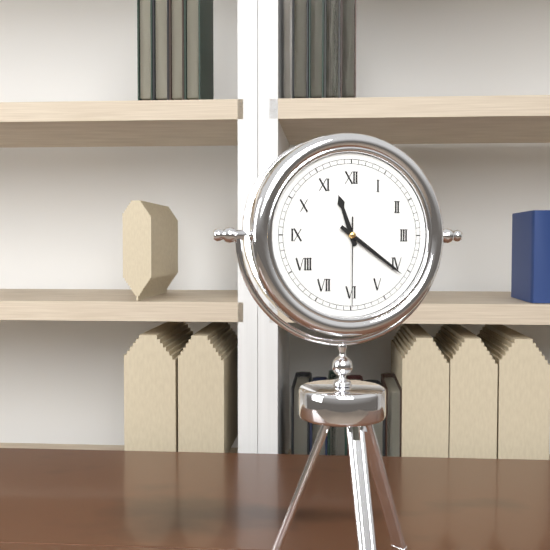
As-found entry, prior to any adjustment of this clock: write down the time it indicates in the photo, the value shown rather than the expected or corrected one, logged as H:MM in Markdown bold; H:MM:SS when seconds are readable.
**11:21:30**
